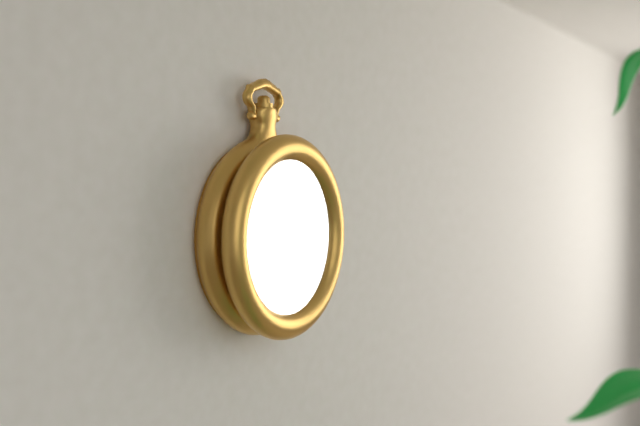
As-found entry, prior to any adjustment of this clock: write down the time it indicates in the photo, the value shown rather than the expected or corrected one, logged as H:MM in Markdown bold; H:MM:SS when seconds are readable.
**8:48**
